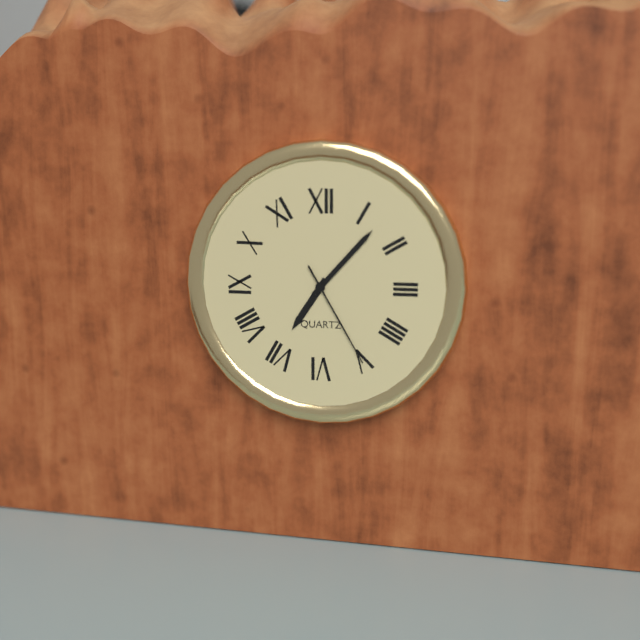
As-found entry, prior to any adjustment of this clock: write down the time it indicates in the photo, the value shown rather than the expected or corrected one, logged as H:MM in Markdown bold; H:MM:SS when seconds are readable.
**7:07:25**
